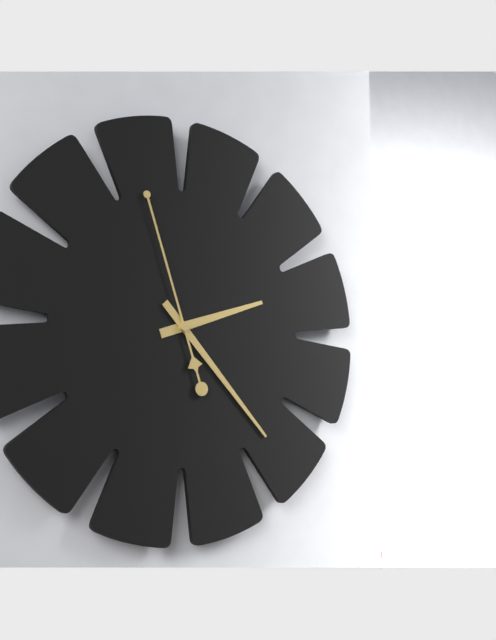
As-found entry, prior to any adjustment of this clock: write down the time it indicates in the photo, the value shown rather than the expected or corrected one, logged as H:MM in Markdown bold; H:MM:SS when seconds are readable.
**2:23:57**
